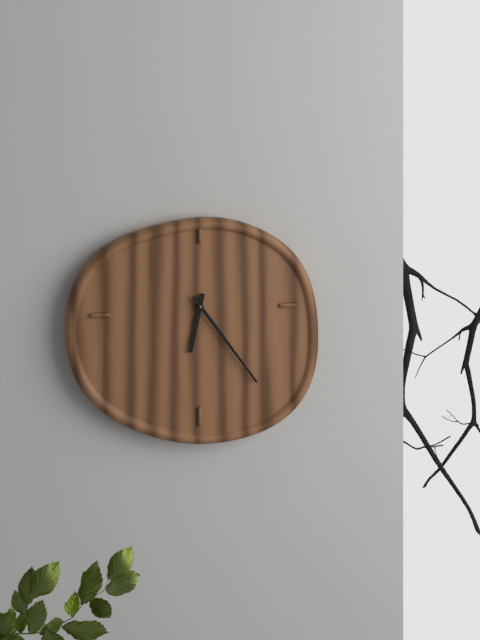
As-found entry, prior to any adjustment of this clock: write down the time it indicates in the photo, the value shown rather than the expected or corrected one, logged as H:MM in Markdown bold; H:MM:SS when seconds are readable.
**6:24**
